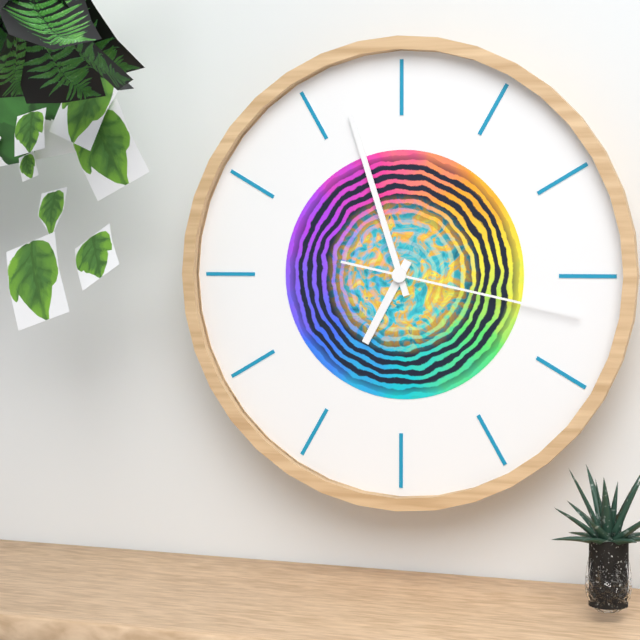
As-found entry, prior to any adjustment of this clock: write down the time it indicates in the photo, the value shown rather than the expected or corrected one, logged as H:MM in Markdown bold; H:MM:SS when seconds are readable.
**6:57:17**
